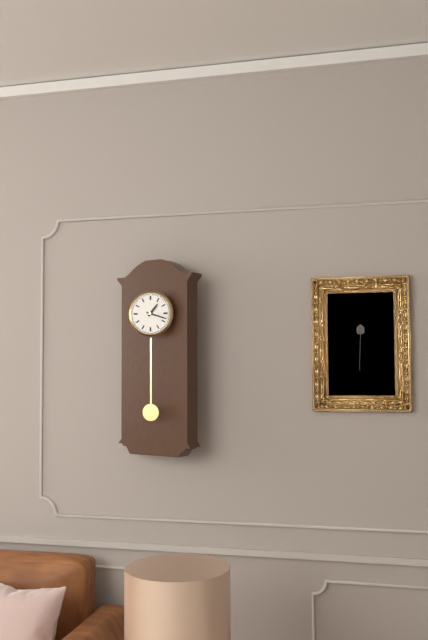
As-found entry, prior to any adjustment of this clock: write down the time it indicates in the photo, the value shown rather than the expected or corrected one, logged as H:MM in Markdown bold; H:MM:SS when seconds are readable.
**1:18**
